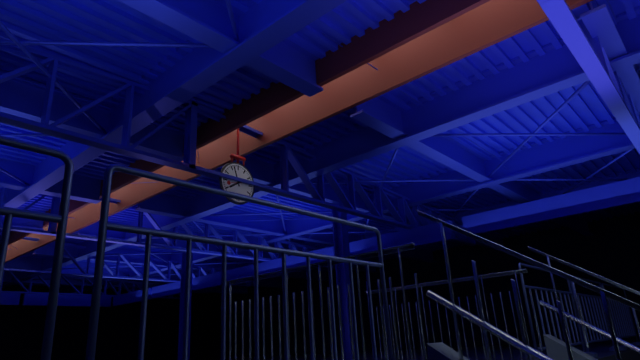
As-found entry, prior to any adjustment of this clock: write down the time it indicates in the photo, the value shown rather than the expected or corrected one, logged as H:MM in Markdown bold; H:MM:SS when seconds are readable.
**7:57**
